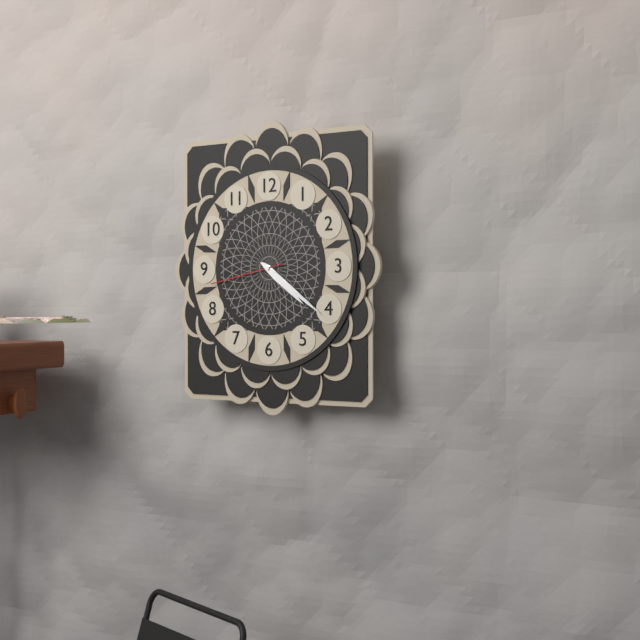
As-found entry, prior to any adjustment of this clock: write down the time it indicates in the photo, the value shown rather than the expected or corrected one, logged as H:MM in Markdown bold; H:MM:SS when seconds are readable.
**4:21:43**
